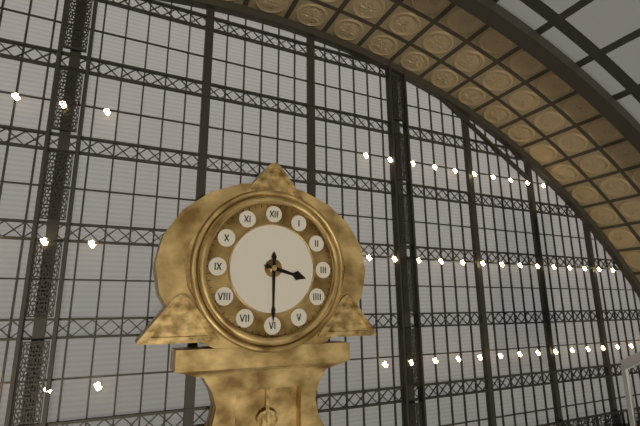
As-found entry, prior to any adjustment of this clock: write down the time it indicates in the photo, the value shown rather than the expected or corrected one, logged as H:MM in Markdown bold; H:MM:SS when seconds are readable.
**3:30**
